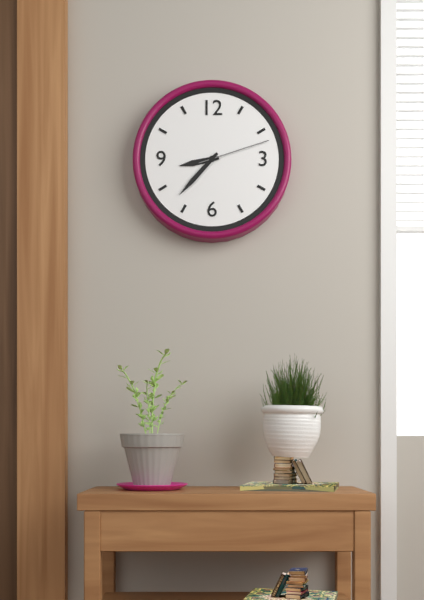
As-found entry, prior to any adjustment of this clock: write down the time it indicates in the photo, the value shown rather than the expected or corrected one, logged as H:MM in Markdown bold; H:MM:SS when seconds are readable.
**8:37:12**
